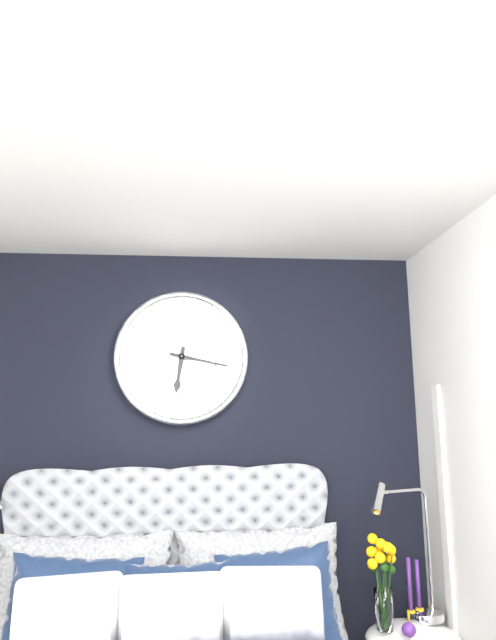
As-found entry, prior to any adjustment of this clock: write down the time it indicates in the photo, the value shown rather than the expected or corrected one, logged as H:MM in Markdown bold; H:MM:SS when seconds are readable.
**6:17**
